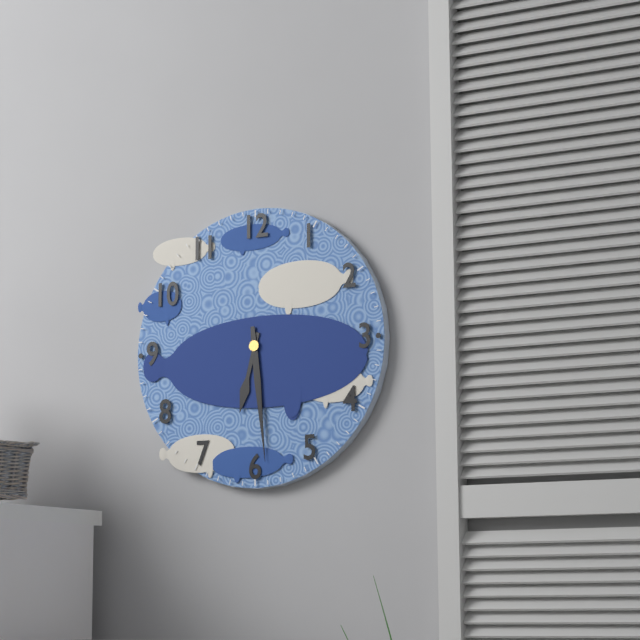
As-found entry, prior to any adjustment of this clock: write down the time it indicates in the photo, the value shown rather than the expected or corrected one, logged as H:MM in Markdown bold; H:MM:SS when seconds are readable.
**6:29**
